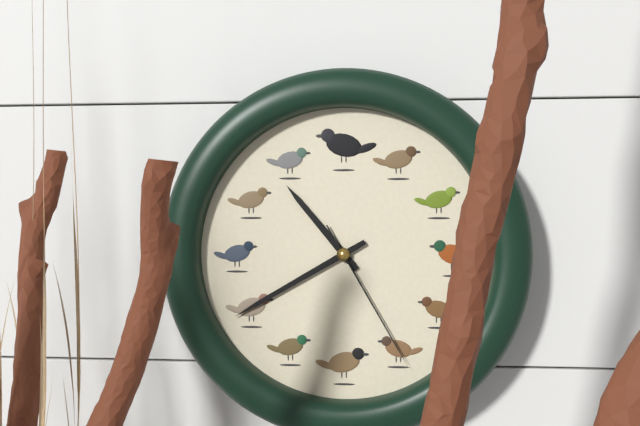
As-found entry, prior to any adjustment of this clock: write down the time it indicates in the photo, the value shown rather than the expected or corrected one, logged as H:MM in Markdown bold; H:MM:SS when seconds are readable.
**10:40:25**
